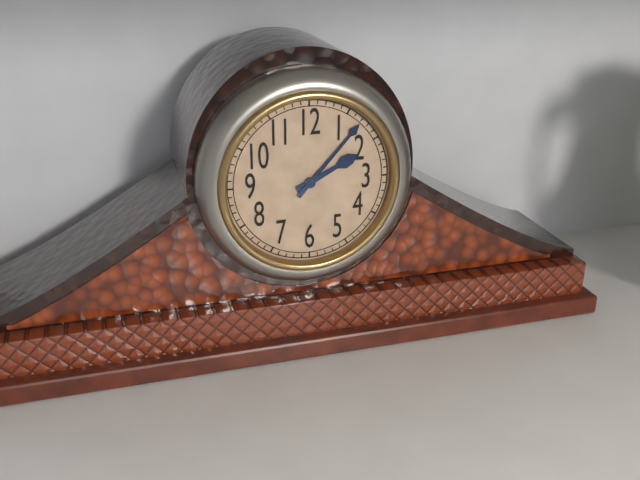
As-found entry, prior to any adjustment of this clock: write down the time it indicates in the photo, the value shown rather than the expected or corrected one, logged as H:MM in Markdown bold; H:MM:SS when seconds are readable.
**2:07**
